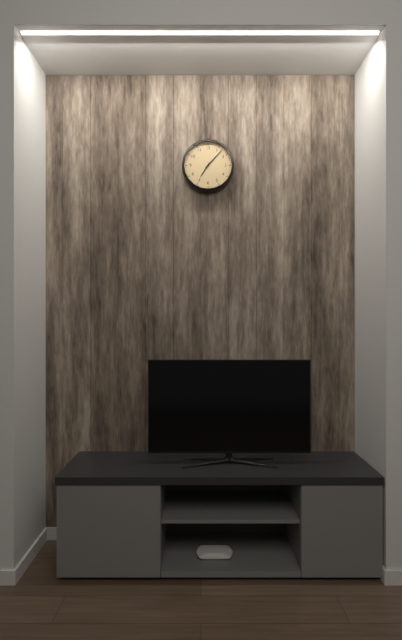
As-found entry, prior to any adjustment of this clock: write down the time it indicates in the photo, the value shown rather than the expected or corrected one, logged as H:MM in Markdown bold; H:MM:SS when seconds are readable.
**7:07**
